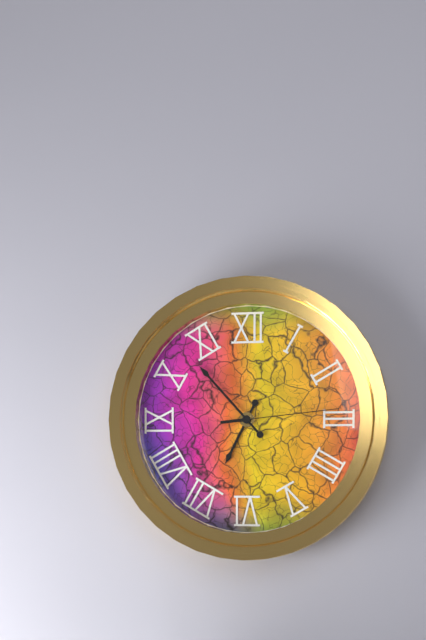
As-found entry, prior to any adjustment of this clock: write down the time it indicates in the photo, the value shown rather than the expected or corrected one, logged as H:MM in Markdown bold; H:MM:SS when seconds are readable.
**6:53:14**
